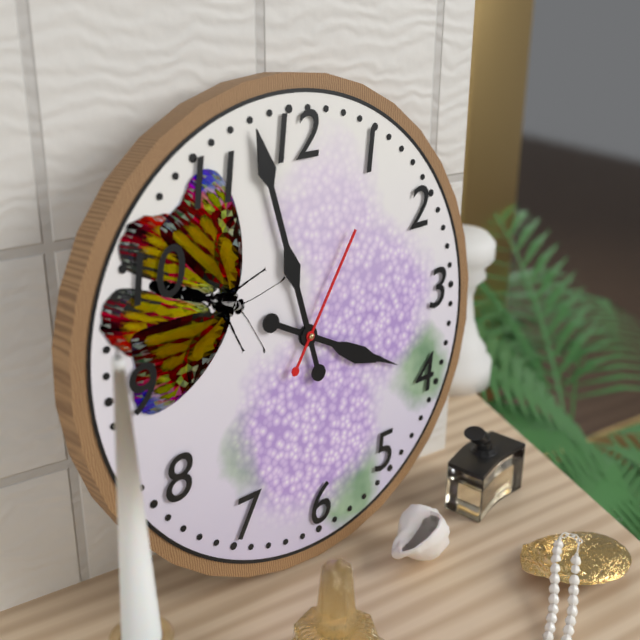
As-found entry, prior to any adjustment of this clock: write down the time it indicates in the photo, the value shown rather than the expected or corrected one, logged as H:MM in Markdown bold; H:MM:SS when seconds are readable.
**3:58:06**
